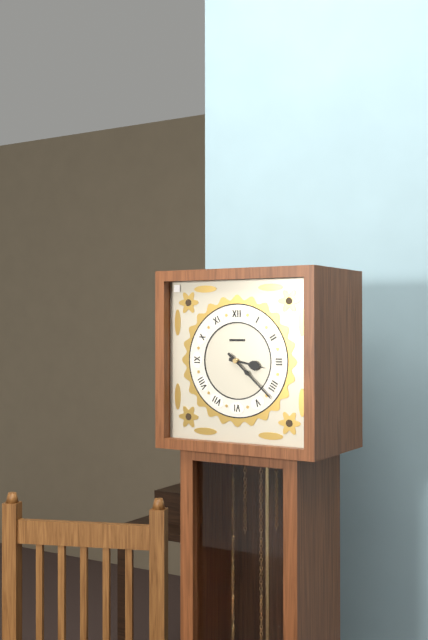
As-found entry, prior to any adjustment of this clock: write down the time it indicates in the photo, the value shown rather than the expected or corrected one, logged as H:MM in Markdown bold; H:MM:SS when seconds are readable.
**3:22**
